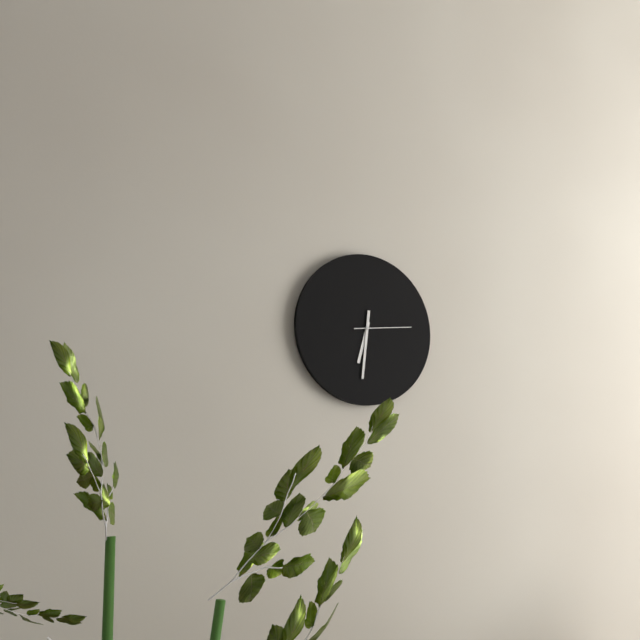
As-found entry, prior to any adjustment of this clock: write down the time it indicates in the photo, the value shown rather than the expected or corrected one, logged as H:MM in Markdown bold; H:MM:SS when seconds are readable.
**6:31:14**
